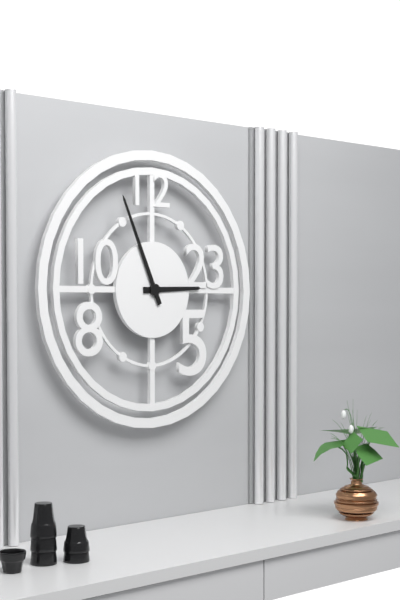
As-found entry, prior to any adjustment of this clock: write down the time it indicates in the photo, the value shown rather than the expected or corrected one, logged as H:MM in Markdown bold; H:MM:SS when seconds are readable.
**2:56**
